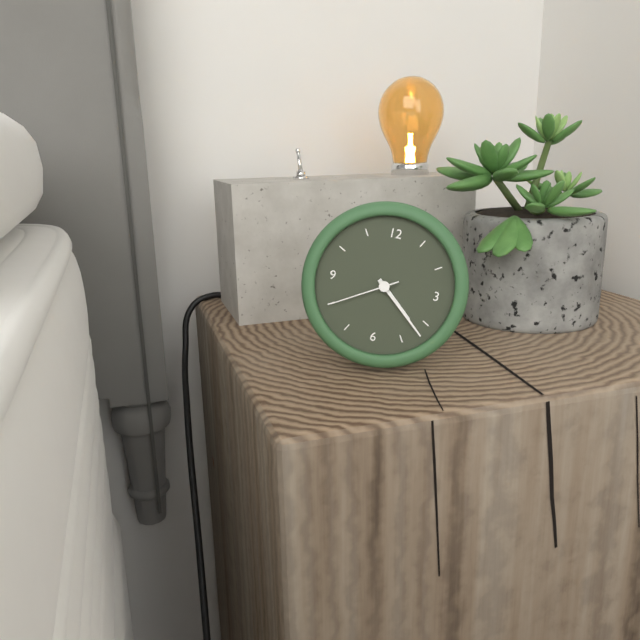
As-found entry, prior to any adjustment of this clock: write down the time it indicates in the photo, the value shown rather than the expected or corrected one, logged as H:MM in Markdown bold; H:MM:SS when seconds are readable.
**4:22:40**
